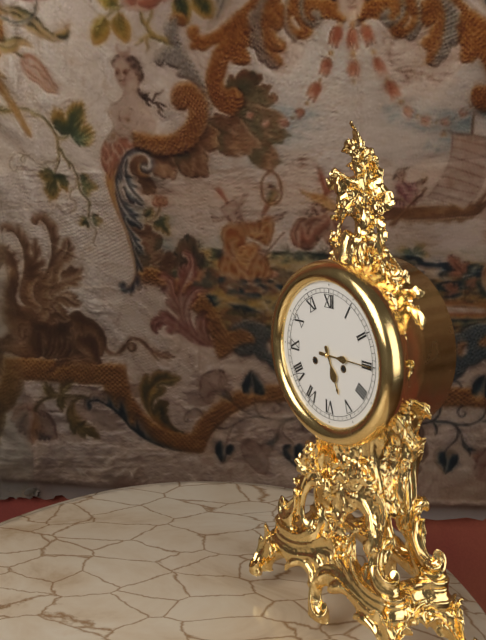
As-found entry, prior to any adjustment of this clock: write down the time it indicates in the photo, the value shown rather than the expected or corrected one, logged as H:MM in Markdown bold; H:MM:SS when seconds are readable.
**5:15**
